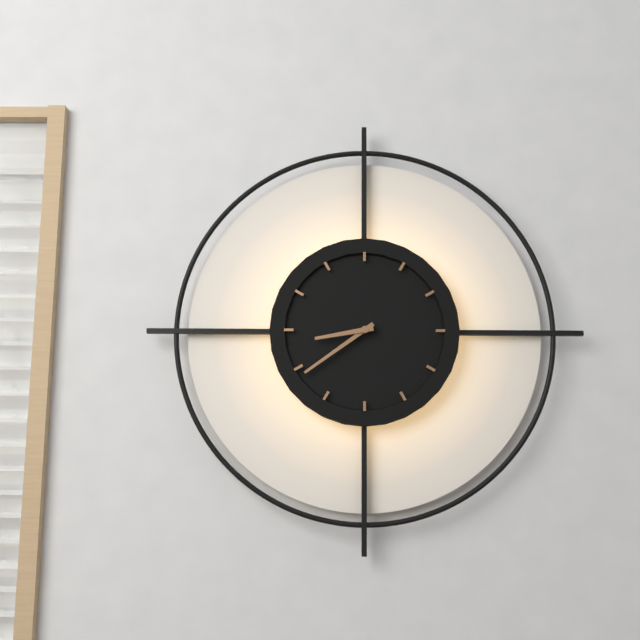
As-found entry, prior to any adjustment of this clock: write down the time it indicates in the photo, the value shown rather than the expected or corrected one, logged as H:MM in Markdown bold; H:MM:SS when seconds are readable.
**8:39**
